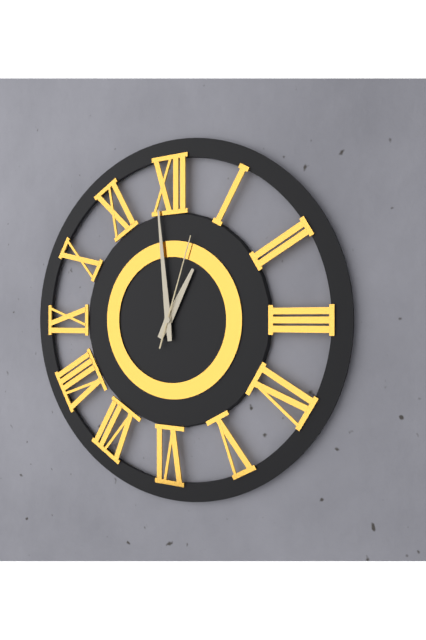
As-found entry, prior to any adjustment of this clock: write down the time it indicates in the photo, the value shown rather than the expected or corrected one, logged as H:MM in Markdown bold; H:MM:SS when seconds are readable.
**12:59:03**
